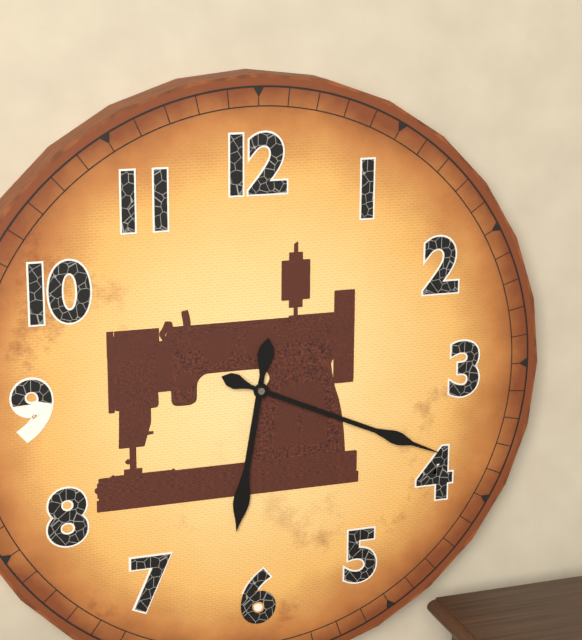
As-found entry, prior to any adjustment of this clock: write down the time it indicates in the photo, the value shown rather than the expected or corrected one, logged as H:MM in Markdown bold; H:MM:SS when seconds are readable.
**6:19**
